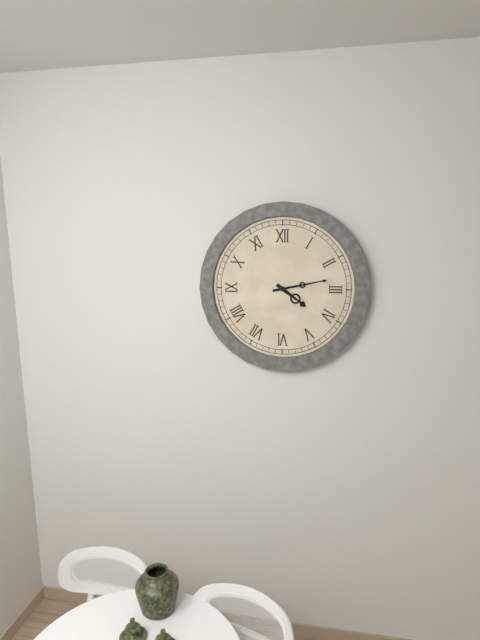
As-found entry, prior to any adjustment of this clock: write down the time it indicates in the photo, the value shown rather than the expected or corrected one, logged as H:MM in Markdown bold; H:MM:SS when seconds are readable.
**4:13**
